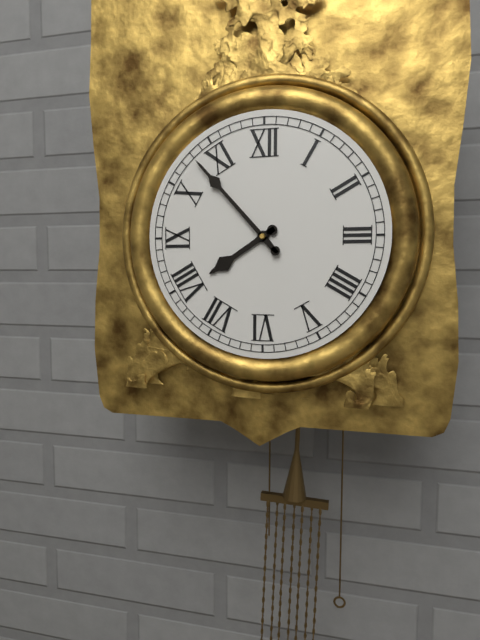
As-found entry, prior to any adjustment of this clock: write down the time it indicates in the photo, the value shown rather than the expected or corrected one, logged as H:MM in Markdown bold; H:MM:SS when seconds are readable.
**7:53**
